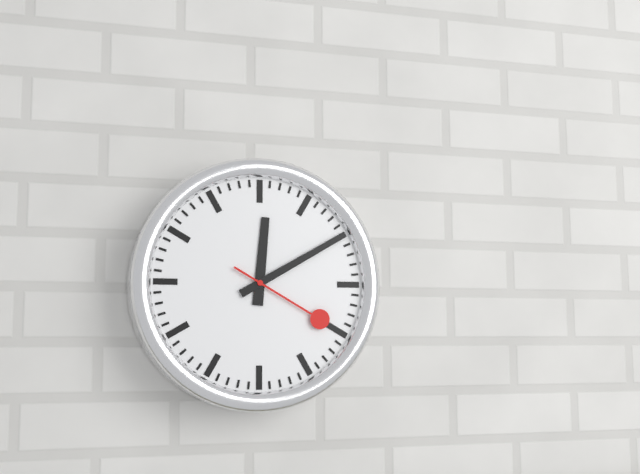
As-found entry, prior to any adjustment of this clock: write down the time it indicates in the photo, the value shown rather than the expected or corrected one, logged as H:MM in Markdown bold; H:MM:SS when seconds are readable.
**12:10:20**
